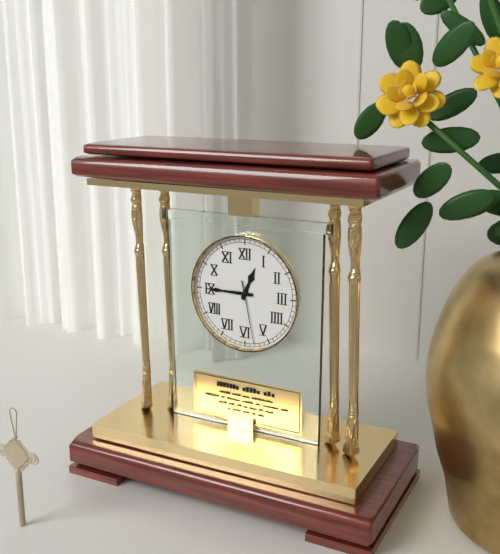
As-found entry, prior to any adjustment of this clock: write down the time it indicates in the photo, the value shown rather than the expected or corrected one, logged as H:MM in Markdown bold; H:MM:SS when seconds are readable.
**12:45:28**
